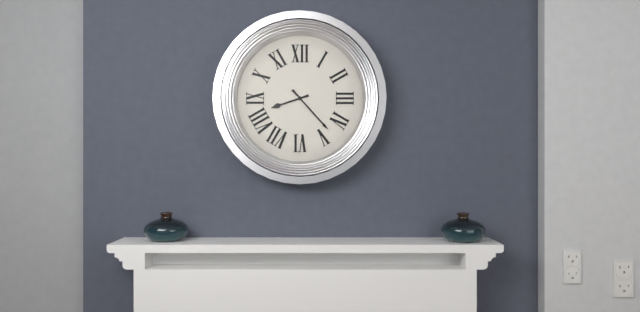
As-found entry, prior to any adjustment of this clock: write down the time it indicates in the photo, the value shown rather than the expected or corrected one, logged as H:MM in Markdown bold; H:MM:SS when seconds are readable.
**8:23**
